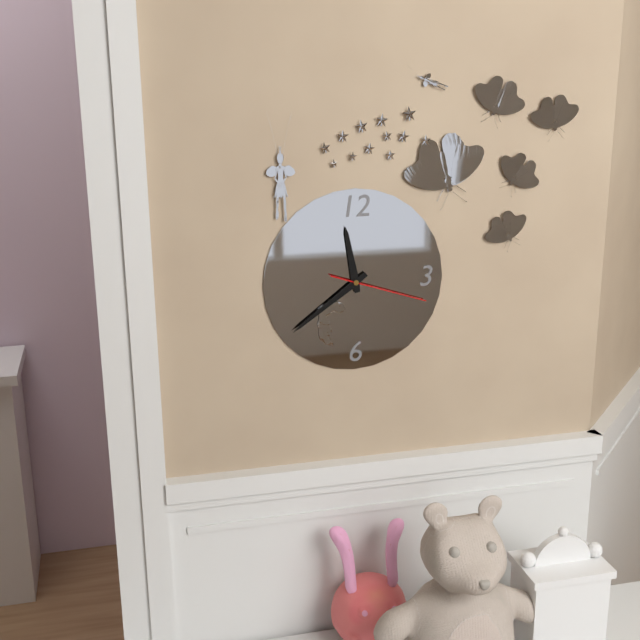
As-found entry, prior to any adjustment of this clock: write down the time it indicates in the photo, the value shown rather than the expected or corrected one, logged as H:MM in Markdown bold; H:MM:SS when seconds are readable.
**11:39:18**
